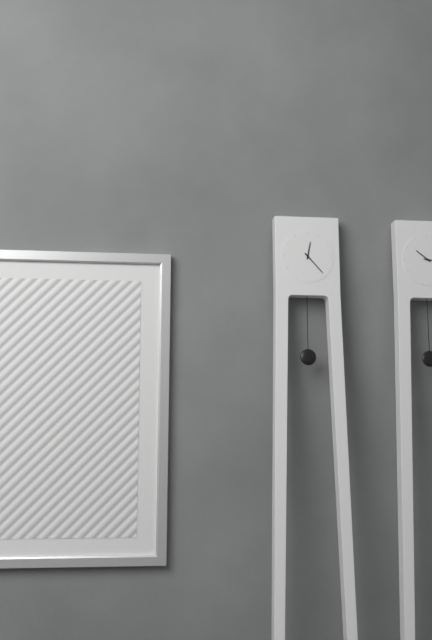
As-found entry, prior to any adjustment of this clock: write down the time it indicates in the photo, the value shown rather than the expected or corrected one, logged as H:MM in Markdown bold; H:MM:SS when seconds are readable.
**12:23**
